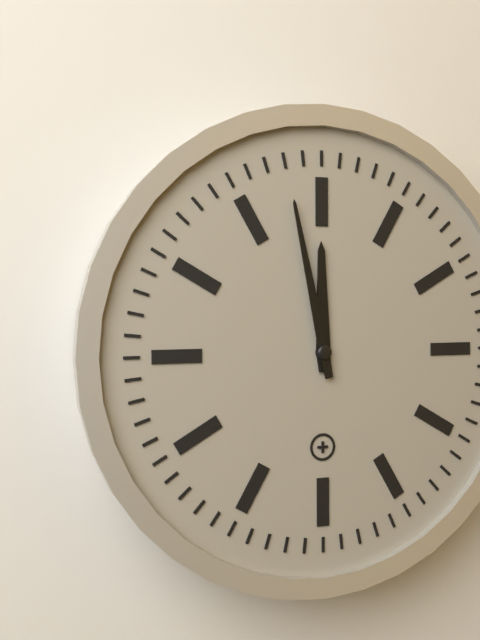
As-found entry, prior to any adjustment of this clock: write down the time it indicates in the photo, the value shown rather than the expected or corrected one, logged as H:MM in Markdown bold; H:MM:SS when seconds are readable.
**11:58**
